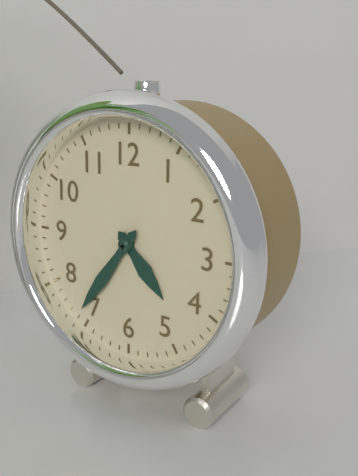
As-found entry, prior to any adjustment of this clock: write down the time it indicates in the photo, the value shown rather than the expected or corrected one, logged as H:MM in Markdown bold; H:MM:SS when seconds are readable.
**4:36**
